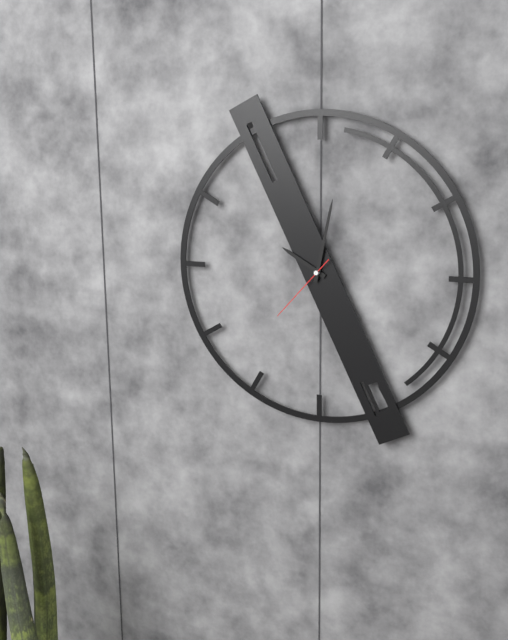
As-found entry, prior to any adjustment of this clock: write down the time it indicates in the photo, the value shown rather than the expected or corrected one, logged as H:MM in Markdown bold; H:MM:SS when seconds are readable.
**10:02:37**
